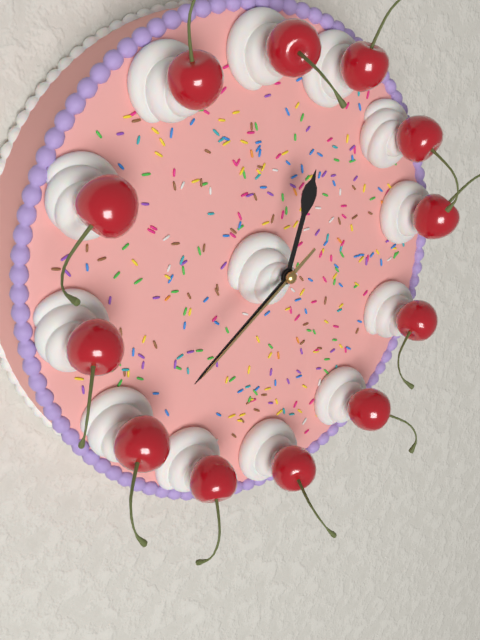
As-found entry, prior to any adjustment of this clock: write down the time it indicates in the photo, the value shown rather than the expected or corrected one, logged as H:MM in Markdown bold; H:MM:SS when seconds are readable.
**12:39:39**
